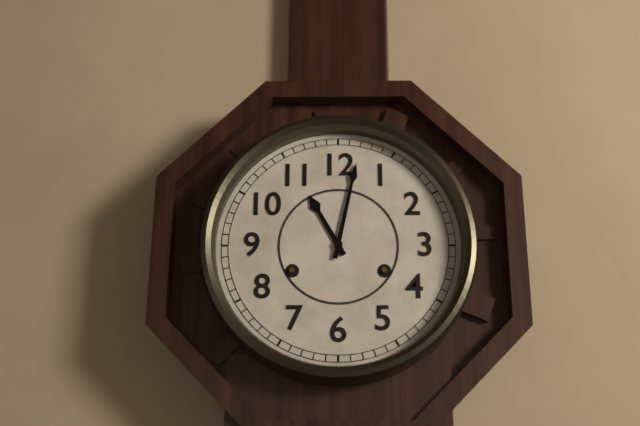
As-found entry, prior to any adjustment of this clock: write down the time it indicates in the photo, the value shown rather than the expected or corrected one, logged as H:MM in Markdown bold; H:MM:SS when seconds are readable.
**11:02**
